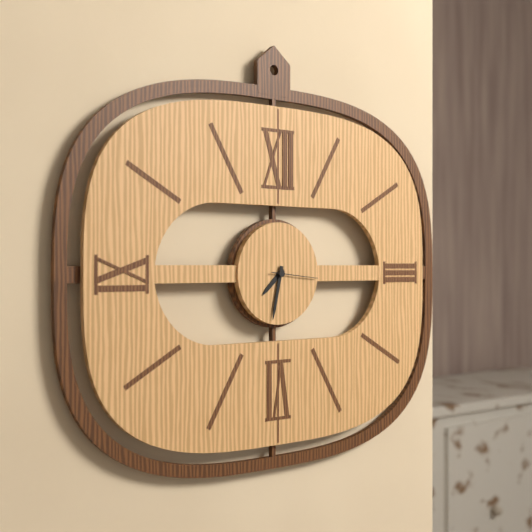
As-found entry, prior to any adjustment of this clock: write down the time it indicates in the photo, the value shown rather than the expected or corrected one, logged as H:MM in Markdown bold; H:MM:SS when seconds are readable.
**7:32**
